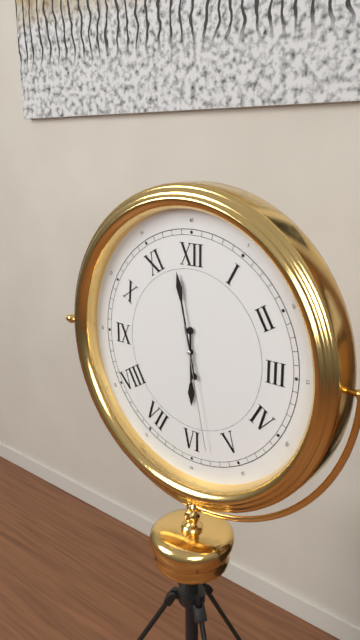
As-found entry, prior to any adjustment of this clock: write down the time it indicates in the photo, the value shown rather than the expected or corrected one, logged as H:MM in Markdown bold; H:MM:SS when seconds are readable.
**5:58:28**
